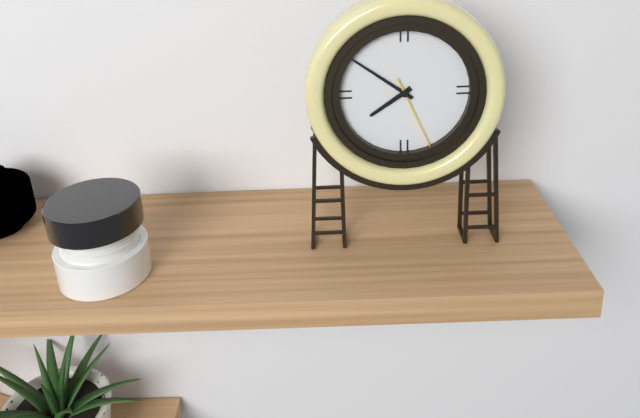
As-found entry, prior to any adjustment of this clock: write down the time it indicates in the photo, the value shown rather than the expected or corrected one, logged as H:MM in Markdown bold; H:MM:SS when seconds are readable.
**7:51:26**
